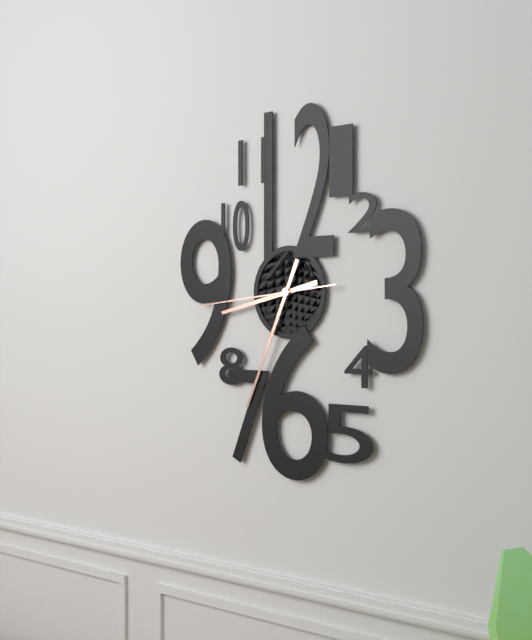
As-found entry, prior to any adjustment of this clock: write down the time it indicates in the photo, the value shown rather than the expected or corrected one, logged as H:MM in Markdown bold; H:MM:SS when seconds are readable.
**8:34:44**
